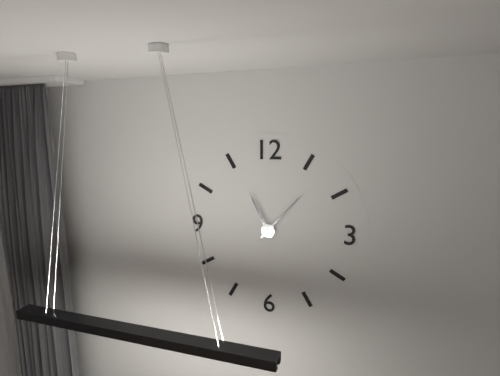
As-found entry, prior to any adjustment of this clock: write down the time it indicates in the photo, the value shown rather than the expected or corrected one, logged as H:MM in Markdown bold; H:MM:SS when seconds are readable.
**11:07**
